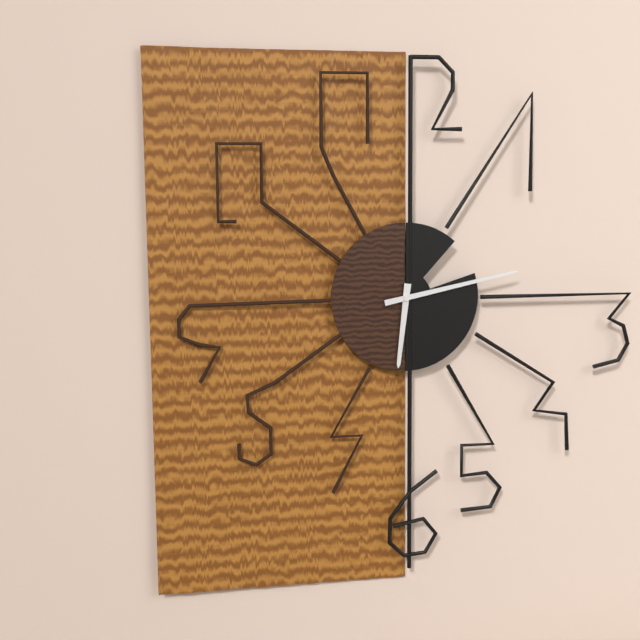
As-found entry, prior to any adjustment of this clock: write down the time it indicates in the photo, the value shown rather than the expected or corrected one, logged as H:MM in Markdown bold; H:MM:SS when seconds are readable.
**6:13**
